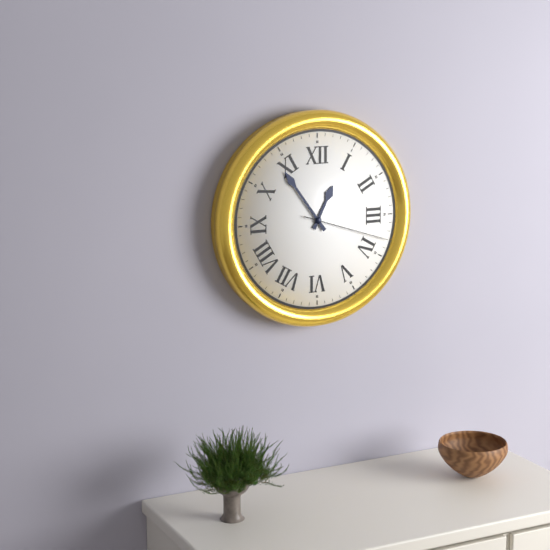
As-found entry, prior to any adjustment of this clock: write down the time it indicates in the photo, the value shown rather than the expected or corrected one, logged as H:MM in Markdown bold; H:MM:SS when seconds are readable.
**12:54:18**
